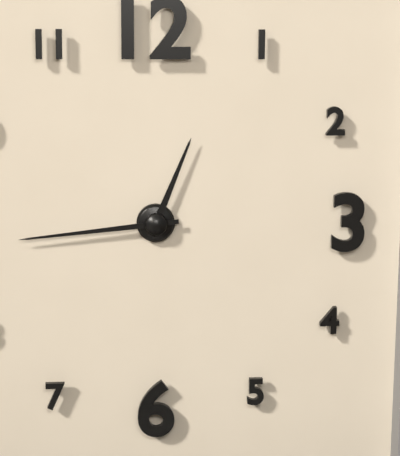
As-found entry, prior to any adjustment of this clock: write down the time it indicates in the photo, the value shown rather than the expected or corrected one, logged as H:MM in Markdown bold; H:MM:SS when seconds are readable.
**12:44**
